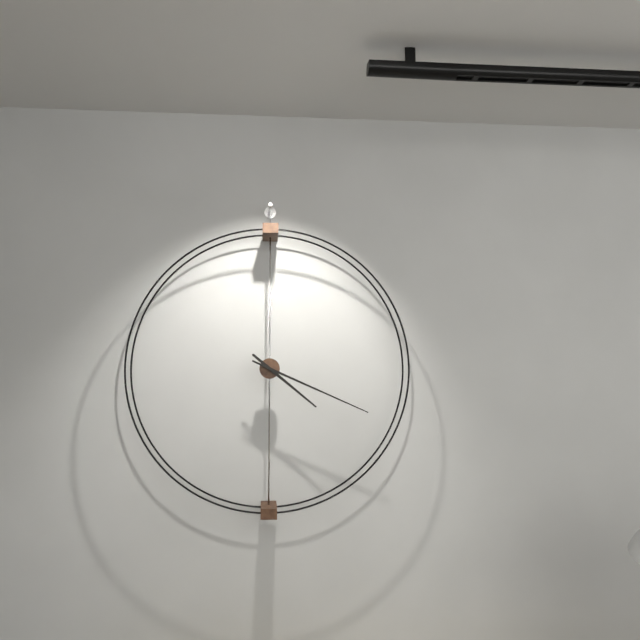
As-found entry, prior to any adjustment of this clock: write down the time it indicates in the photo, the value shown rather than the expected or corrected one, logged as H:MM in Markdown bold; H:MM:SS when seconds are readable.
**4:19**
